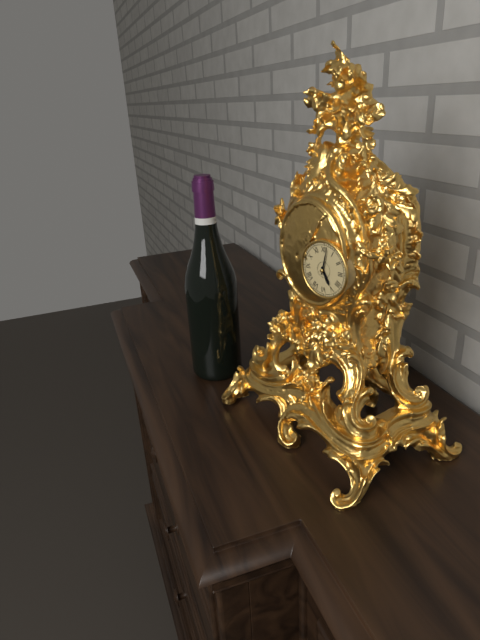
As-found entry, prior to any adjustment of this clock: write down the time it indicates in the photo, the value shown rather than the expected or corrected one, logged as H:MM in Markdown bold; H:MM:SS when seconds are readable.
**5:02**
